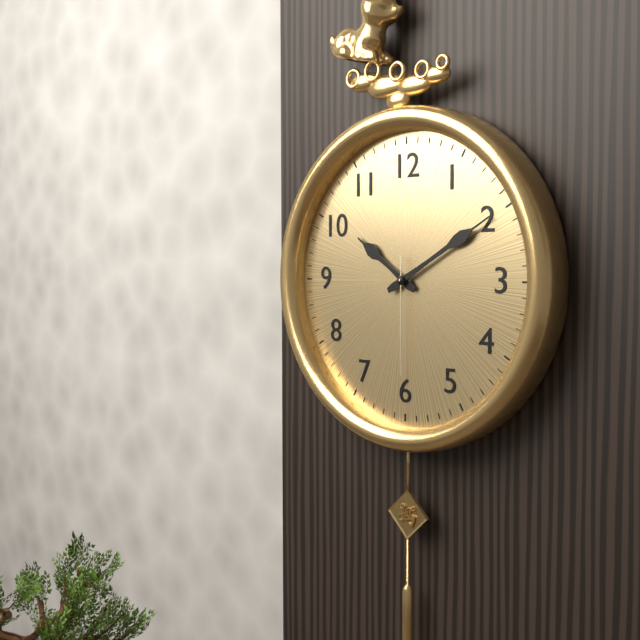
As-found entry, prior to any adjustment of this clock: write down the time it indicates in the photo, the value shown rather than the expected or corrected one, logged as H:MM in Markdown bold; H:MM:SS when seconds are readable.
**10:10:30**
